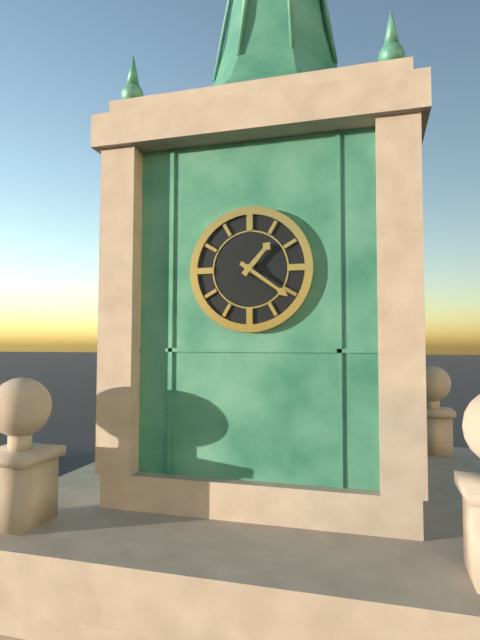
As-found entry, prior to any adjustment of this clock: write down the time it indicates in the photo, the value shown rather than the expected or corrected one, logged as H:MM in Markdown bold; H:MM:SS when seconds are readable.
**1:21**
